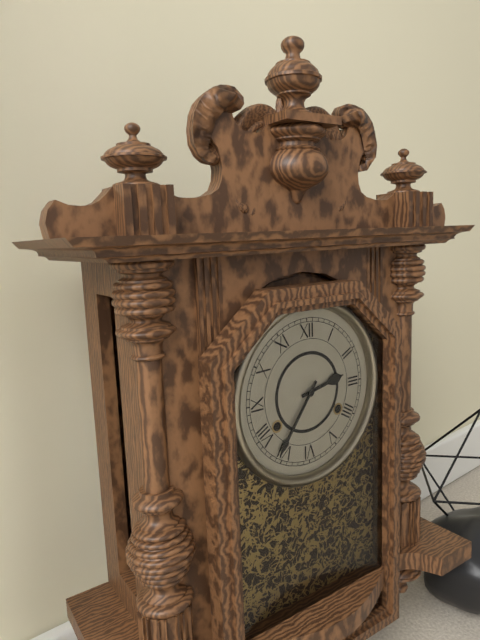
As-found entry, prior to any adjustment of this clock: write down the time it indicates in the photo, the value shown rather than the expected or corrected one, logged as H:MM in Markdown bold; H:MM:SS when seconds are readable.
**2:36**
